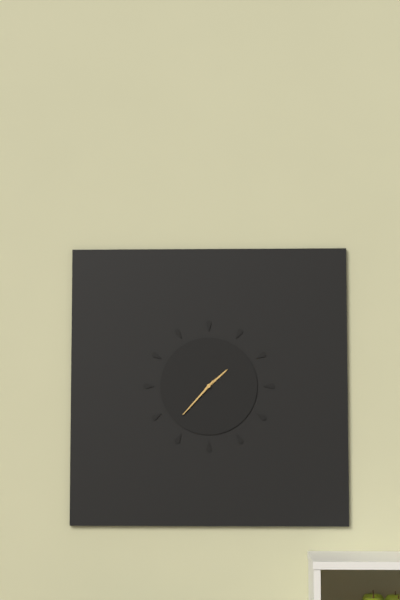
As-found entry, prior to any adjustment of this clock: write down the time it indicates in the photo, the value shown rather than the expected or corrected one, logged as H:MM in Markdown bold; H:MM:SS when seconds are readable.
**1:37**
